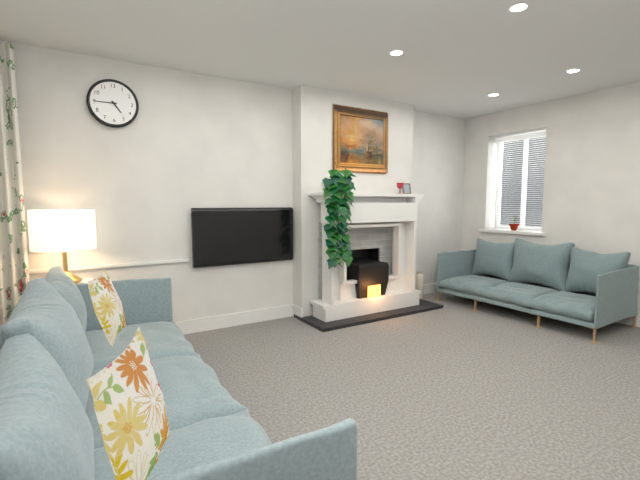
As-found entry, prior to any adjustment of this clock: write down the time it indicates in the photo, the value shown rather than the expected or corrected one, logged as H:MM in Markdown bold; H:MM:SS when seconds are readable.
**4:45**
